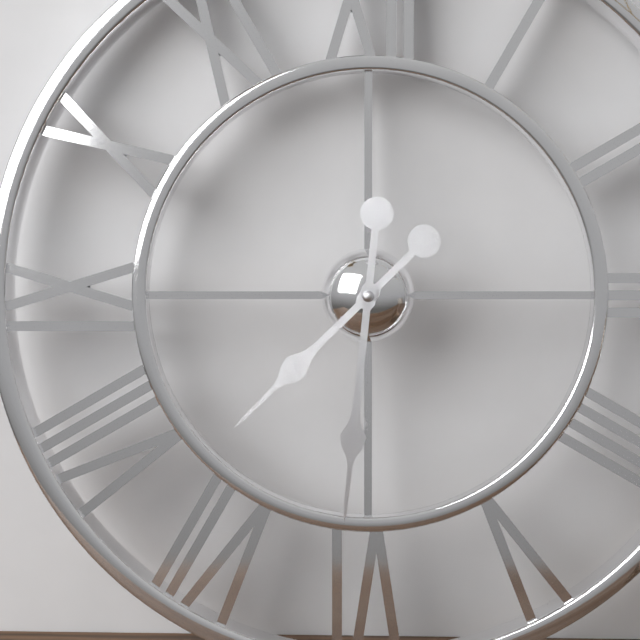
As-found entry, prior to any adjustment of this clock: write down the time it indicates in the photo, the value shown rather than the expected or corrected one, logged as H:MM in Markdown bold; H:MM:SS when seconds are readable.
**7:31**
